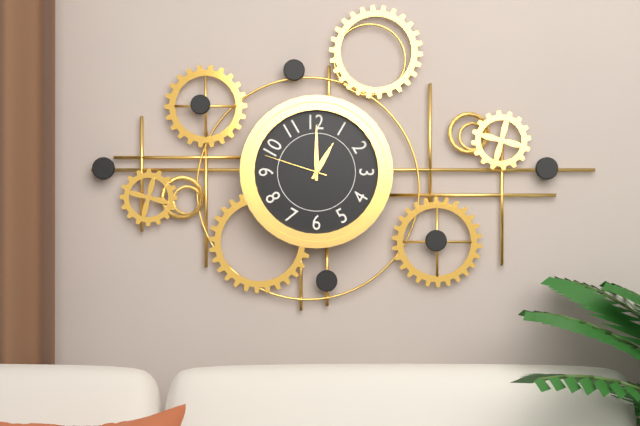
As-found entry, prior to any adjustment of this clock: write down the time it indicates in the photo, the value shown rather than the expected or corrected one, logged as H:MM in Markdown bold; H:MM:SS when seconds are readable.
**1:00:48**
